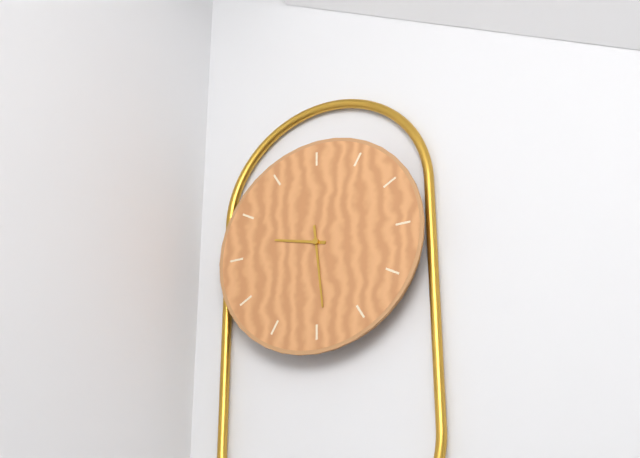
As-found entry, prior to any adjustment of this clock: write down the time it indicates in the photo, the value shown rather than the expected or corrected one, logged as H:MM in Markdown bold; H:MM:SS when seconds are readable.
**9:29**
